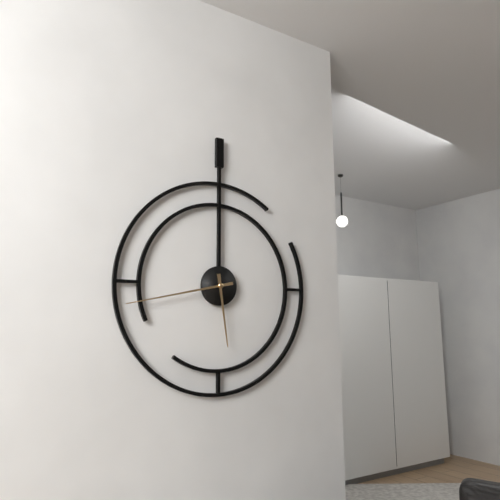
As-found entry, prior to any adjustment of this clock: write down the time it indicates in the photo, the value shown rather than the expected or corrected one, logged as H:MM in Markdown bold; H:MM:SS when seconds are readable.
**5:43**
